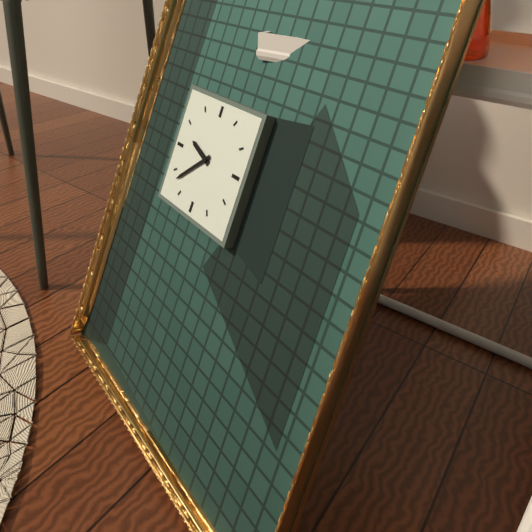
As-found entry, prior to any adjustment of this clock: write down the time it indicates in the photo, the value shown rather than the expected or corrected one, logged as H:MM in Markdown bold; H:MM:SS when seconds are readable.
**9:38**
